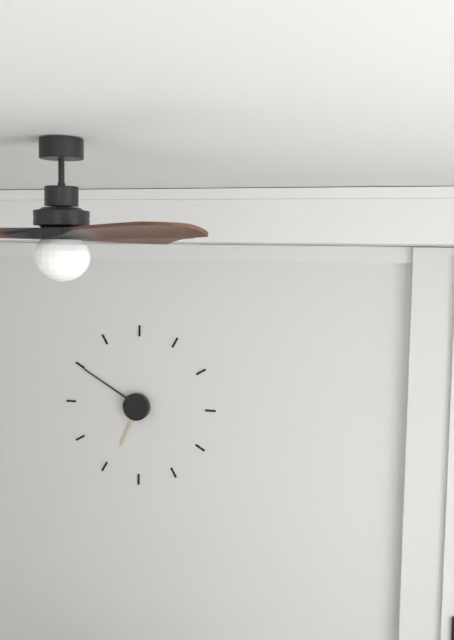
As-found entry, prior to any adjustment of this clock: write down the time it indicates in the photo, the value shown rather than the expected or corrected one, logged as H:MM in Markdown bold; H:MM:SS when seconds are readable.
**6:50**
